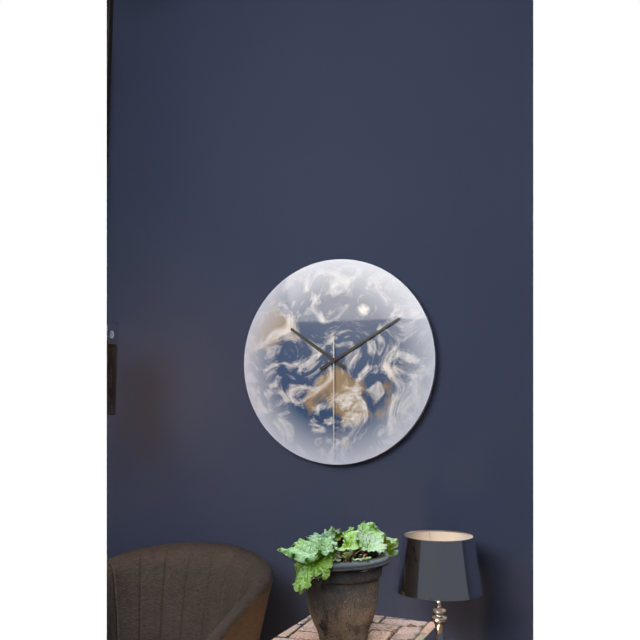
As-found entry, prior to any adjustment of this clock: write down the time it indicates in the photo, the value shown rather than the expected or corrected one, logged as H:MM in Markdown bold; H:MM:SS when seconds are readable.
**10:10:30**
